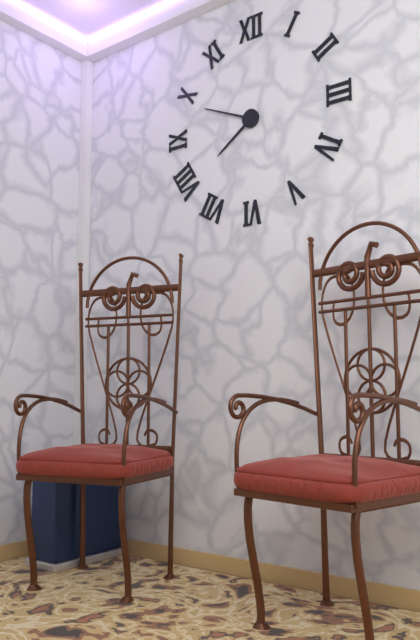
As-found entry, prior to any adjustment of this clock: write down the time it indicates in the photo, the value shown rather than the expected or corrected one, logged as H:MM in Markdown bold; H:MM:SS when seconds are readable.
**7:49**
